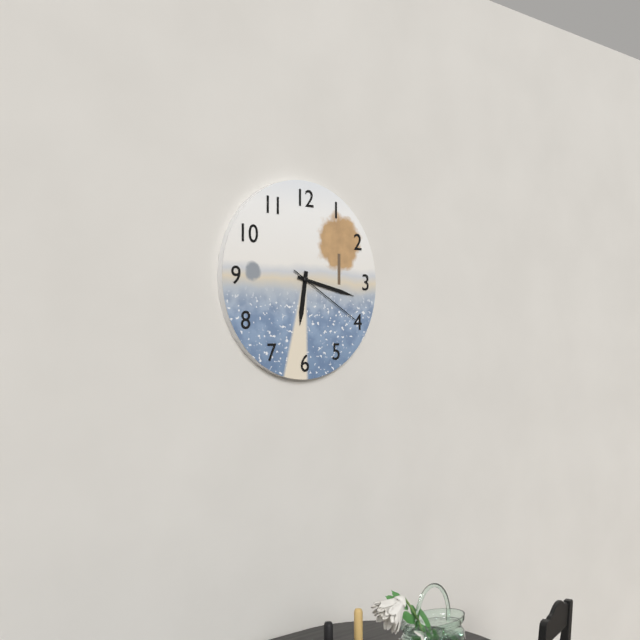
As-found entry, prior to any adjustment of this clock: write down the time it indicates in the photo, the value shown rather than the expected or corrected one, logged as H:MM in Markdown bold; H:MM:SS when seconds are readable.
**6:17:20**
